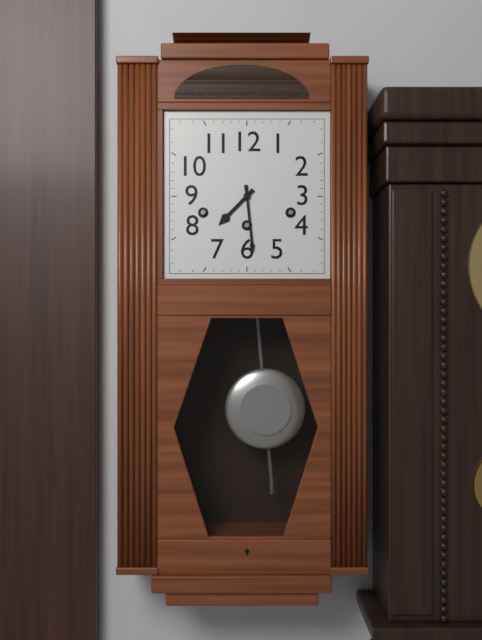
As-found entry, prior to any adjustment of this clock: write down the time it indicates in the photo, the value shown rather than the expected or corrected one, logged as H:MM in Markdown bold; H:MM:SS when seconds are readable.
**7:29**
